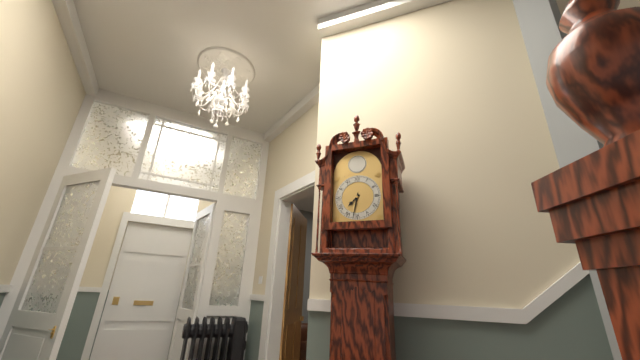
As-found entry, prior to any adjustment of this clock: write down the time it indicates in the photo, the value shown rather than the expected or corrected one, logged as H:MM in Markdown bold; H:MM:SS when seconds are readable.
**7:32**
